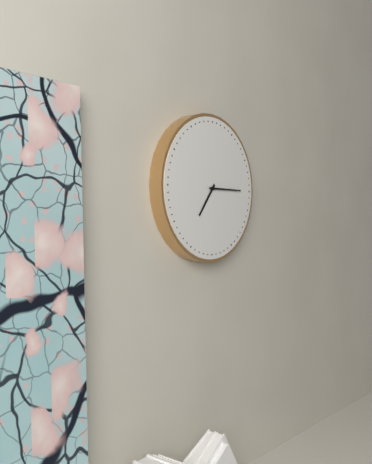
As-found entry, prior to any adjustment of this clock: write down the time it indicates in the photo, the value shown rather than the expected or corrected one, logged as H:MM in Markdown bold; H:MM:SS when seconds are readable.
**7:15**
